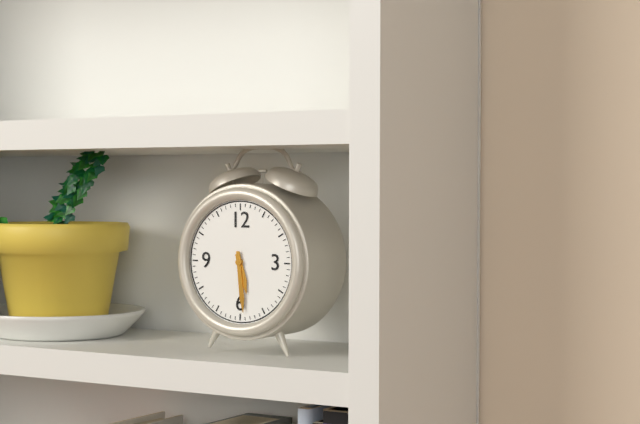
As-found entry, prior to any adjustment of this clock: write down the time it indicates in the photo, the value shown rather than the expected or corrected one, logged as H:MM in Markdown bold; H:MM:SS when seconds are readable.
**5:29**
